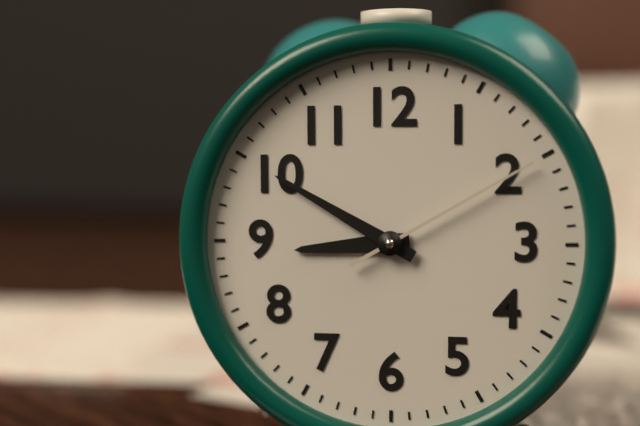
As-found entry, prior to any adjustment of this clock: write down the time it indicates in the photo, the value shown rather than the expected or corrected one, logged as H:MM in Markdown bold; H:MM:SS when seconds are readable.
**8:50:10**
